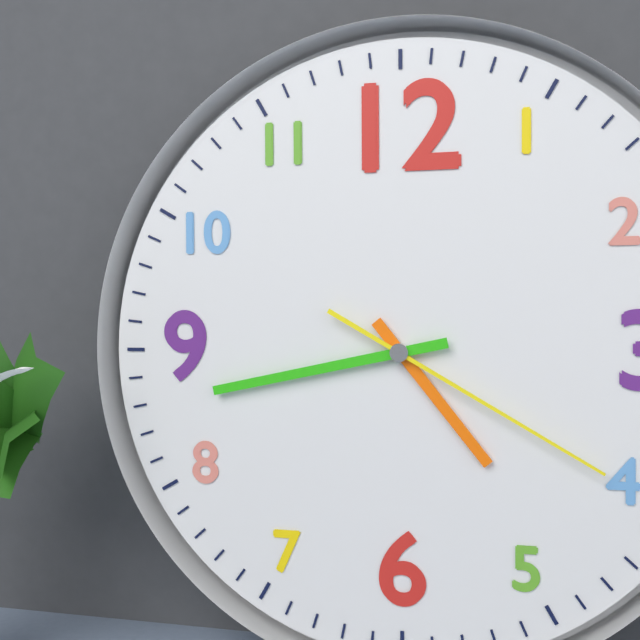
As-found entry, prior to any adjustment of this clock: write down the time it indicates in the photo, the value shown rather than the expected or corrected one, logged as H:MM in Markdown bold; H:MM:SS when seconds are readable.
**4:43:20**
